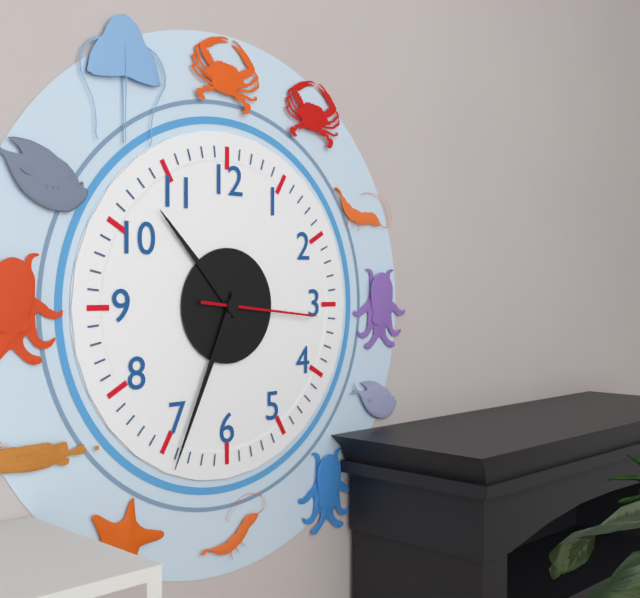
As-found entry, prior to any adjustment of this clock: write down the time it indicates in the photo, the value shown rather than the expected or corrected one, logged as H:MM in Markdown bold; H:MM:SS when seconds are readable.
**10:34:16**
